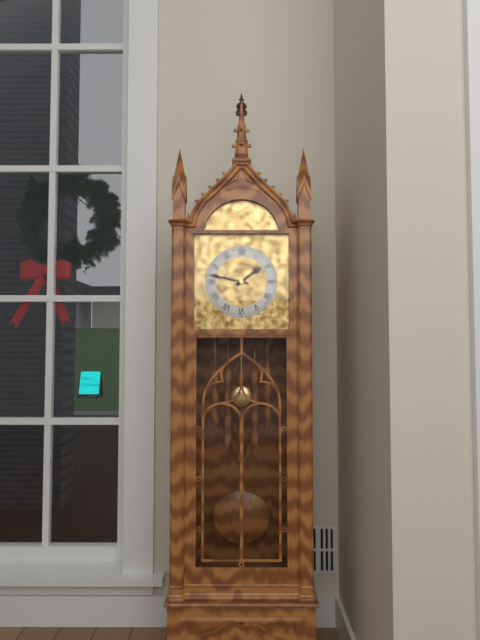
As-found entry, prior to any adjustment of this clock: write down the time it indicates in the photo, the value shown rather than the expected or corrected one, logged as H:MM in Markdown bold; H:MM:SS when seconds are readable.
**1:47**
